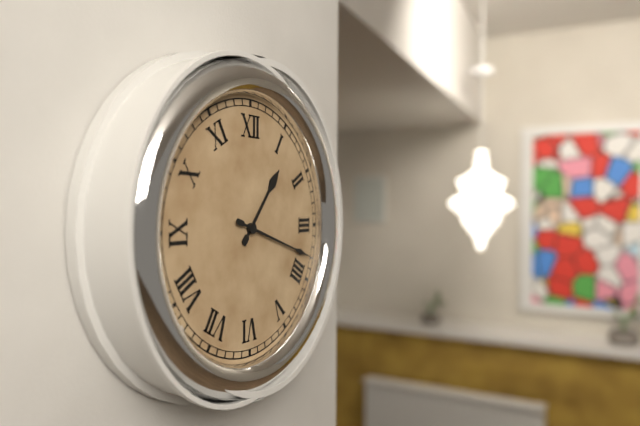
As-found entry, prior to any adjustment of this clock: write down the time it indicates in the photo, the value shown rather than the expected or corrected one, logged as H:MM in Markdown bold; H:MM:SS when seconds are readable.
**1:18**
